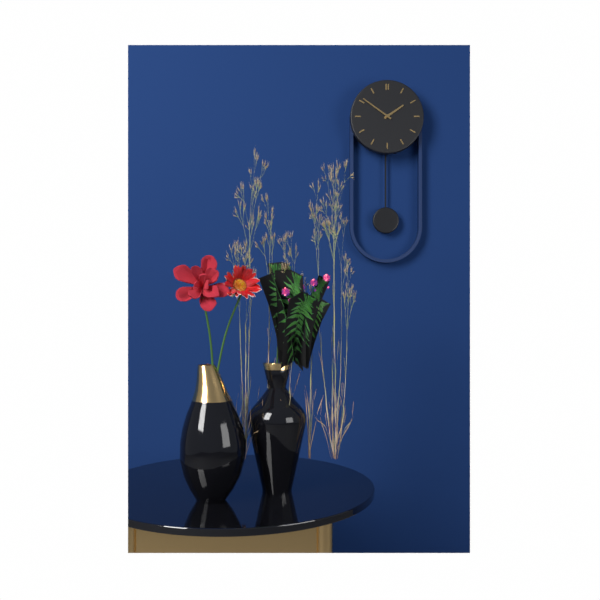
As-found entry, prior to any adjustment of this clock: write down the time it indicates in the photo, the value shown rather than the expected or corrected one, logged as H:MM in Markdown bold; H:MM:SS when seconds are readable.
**1:51**
